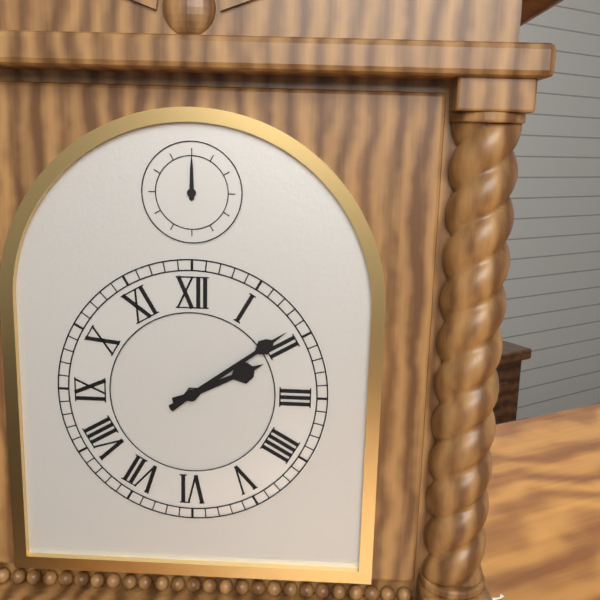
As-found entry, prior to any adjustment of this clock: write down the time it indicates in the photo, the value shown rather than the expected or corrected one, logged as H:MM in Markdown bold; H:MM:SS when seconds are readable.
**2:09**
